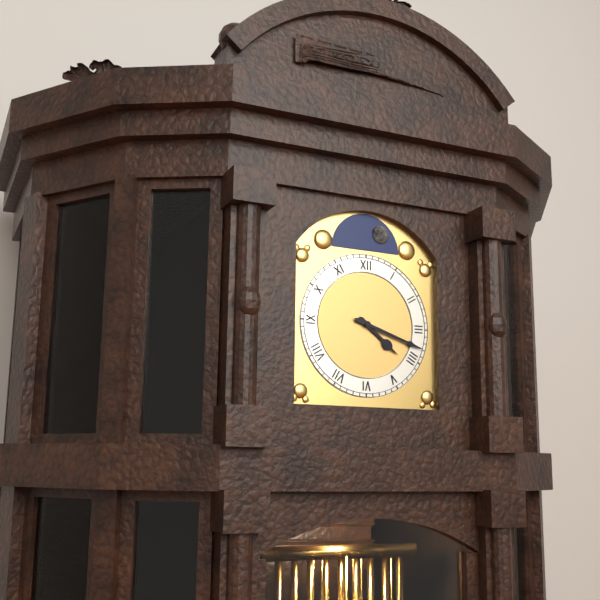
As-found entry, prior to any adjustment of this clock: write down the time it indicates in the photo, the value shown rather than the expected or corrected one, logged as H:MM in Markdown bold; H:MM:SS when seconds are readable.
**4:18**
